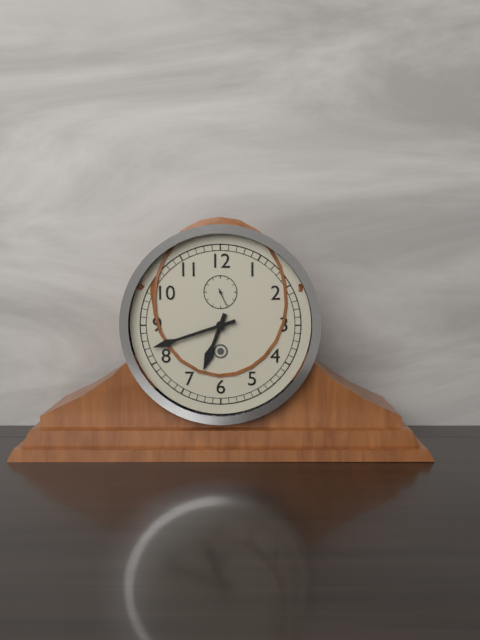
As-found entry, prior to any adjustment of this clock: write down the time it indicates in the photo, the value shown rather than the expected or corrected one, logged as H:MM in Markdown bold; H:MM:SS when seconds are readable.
**6:42**
